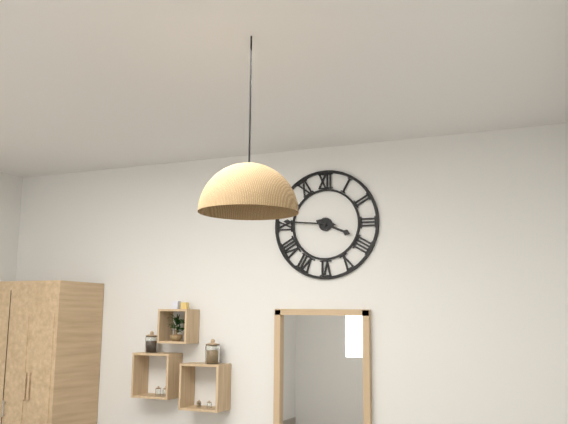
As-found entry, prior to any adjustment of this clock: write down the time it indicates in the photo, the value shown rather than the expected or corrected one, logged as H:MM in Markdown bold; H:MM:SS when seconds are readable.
**3:46**
